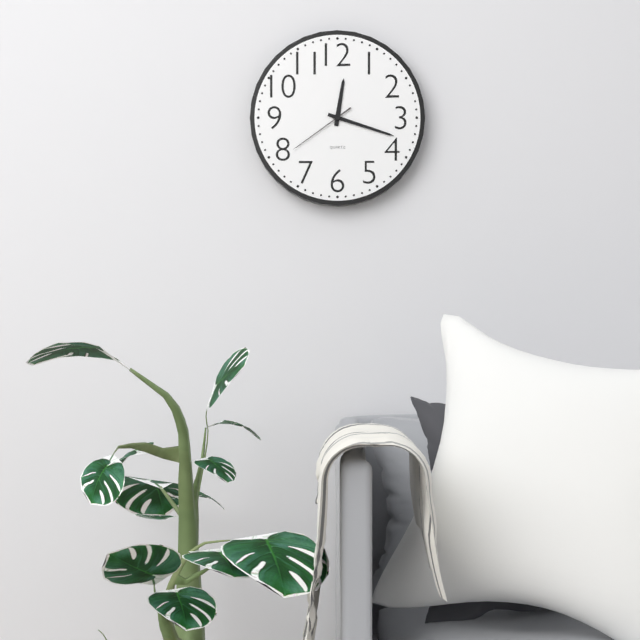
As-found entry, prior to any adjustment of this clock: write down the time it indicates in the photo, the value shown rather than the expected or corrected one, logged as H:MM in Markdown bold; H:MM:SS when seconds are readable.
**12:18:39**
